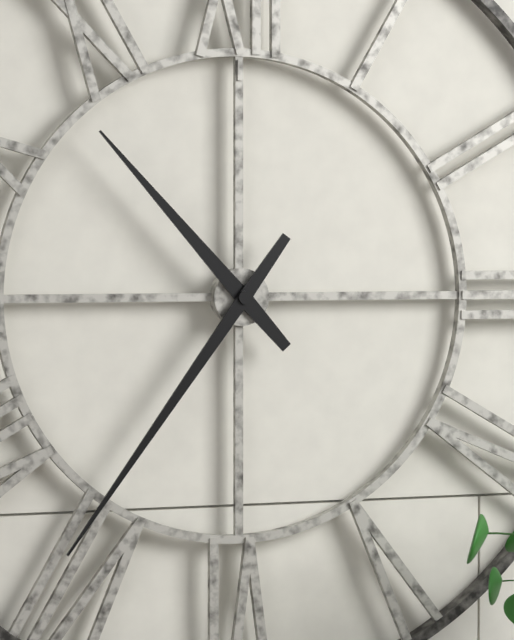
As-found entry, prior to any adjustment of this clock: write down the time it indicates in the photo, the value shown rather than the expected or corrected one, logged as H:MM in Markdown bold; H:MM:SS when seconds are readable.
**10:36**
